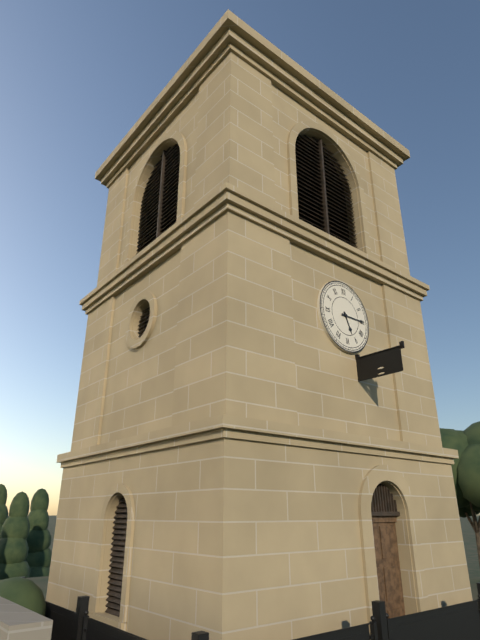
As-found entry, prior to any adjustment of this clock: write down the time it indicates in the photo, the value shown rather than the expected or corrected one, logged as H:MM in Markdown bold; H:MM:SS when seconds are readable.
**5:15**
